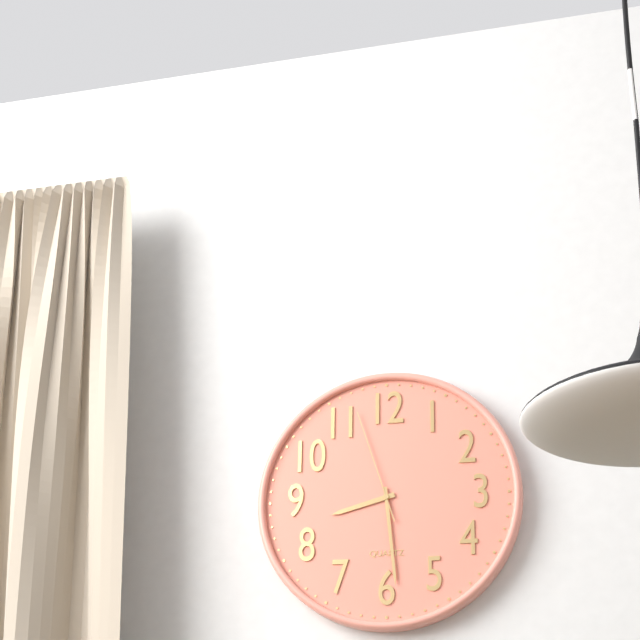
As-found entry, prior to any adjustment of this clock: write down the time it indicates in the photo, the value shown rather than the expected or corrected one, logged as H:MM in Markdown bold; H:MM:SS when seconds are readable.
**8:29:57**
